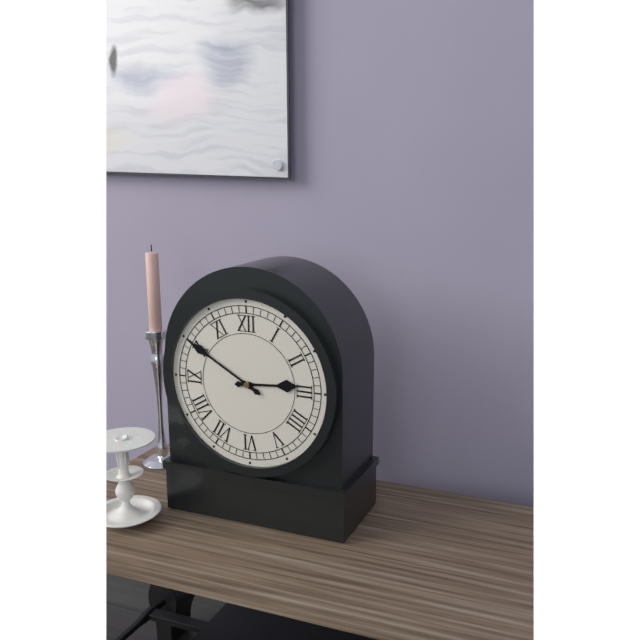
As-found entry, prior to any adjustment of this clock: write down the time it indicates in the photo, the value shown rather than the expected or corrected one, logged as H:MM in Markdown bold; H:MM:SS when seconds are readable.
**2:50**
